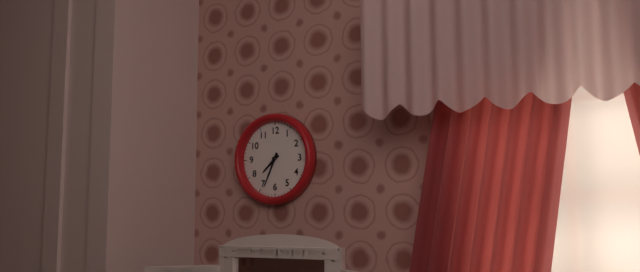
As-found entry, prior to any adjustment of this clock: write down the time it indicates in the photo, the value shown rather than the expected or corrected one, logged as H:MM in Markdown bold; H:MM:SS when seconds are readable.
**7:34**
